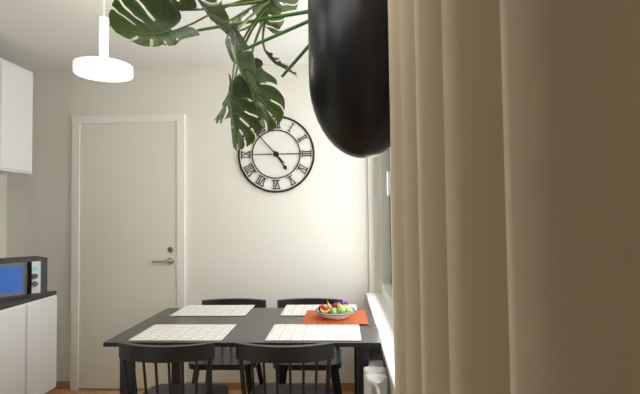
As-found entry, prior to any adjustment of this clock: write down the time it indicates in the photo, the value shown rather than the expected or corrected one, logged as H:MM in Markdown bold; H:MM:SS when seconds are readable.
**4:53**
